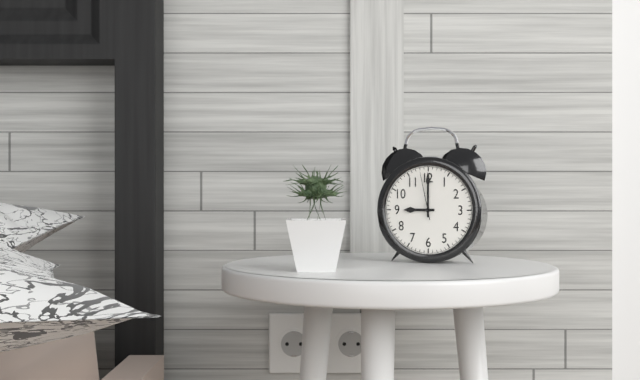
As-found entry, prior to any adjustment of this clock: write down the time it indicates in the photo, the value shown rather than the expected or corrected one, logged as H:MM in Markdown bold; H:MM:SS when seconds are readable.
**9:00**
